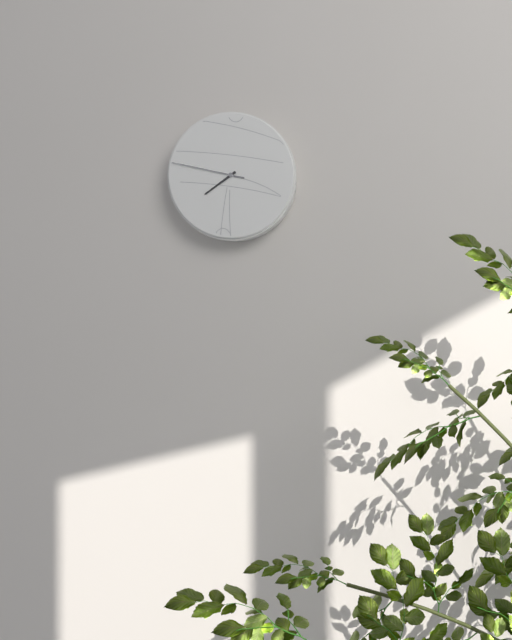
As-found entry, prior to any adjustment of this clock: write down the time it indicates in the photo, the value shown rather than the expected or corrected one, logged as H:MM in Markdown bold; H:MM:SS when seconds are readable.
**7:47**
